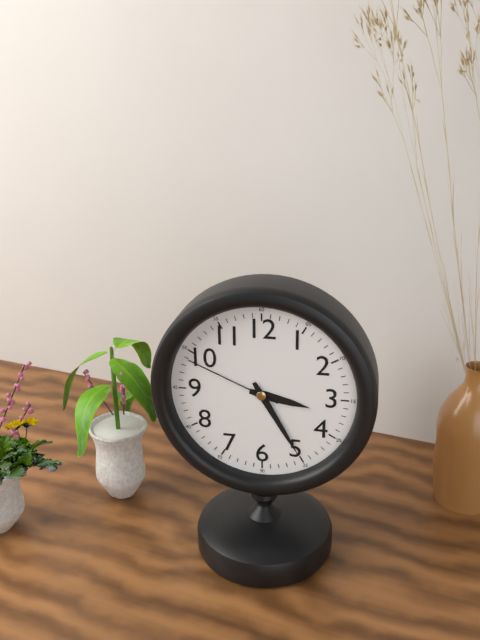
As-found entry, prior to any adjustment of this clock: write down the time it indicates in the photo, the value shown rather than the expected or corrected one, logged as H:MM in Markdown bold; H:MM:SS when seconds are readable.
**3:25:49**
